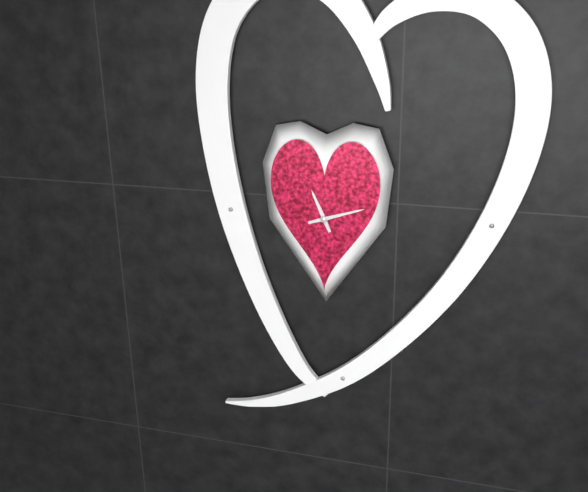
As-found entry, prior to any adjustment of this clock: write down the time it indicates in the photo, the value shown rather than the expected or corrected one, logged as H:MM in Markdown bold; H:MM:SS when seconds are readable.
**11:12**
